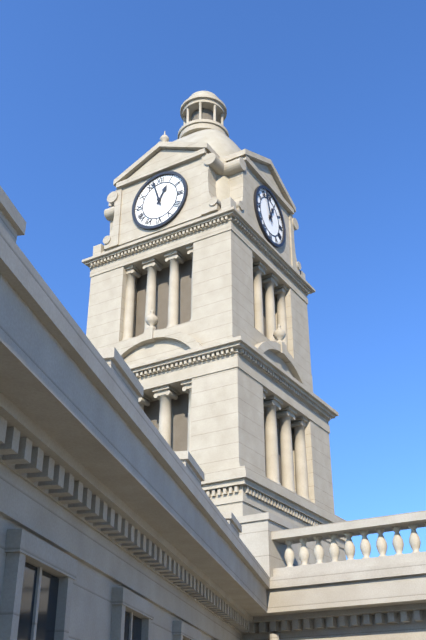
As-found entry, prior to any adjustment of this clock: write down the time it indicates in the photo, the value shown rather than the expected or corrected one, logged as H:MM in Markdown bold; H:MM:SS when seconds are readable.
**12:57**
